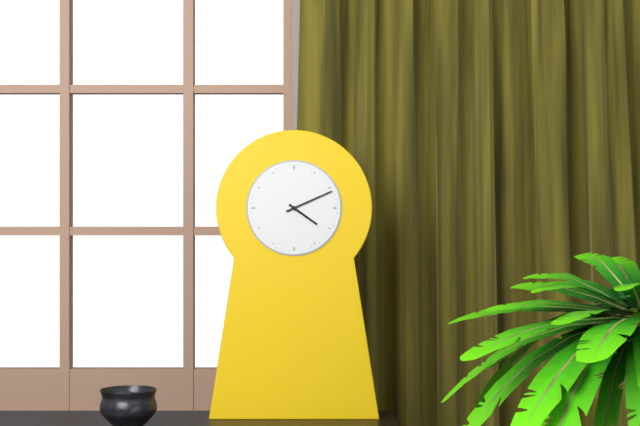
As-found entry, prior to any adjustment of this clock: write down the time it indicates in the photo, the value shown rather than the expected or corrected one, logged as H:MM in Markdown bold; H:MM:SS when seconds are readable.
**4:11**
